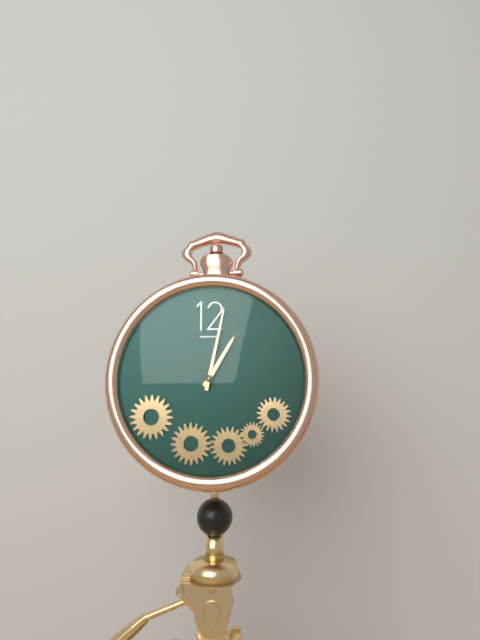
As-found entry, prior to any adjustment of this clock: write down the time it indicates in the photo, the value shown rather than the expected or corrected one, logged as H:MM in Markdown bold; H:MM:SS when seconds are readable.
**1:02**
